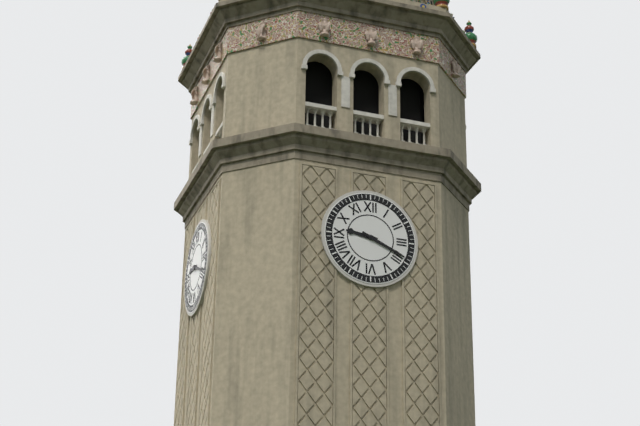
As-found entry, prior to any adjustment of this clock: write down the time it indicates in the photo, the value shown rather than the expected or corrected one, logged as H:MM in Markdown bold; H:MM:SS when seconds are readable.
**9:19**
